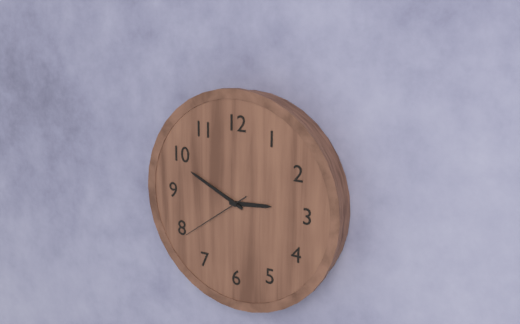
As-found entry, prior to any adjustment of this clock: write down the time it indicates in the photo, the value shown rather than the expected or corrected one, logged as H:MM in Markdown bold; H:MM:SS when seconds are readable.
**2:49:39**
